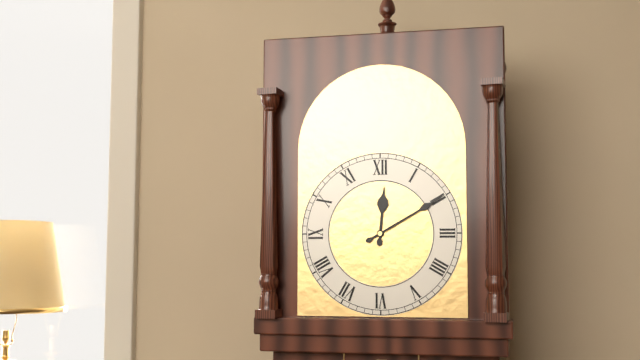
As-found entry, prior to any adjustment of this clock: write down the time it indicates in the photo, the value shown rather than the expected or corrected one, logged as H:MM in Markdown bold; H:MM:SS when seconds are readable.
**12:10**
